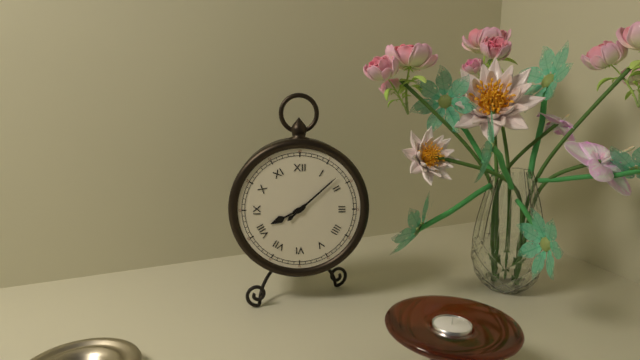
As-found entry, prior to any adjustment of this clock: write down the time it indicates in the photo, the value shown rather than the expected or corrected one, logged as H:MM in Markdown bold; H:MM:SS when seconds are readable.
**8:08**
